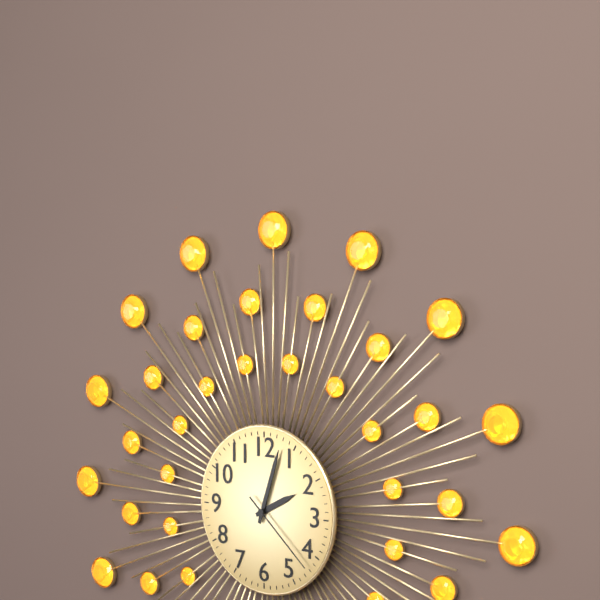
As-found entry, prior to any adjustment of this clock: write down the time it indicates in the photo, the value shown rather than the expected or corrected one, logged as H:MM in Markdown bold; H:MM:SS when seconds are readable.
**2:03:22**
